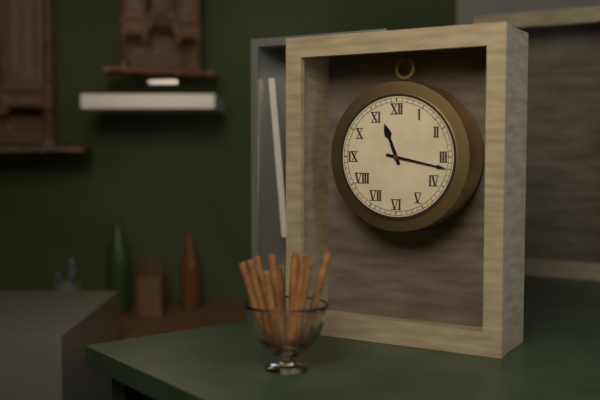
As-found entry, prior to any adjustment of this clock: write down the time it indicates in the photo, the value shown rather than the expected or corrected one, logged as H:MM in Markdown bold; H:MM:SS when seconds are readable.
**11:17**
